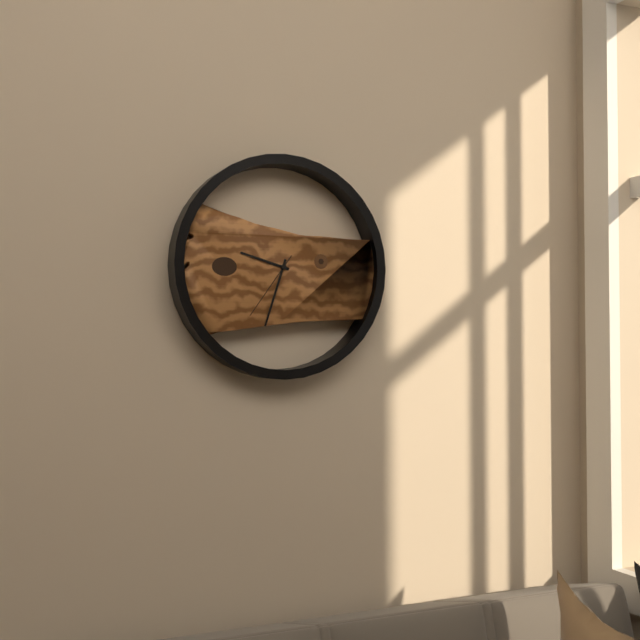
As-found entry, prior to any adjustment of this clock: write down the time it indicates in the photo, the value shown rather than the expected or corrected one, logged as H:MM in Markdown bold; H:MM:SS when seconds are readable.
**9:33:36**
